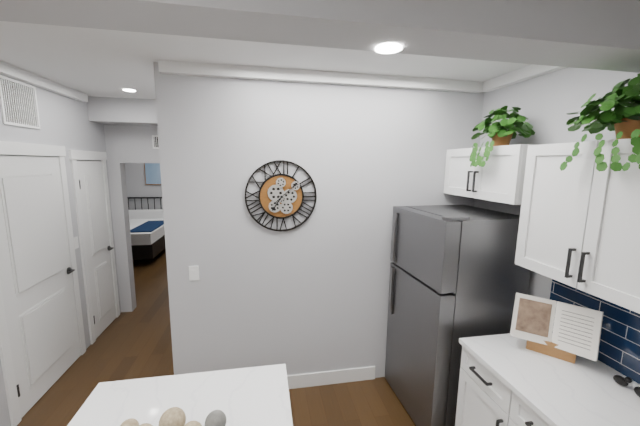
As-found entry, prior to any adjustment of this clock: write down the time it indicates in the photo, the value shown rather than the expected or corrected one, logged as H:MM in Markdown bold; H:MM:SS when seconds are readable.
**7:08**
